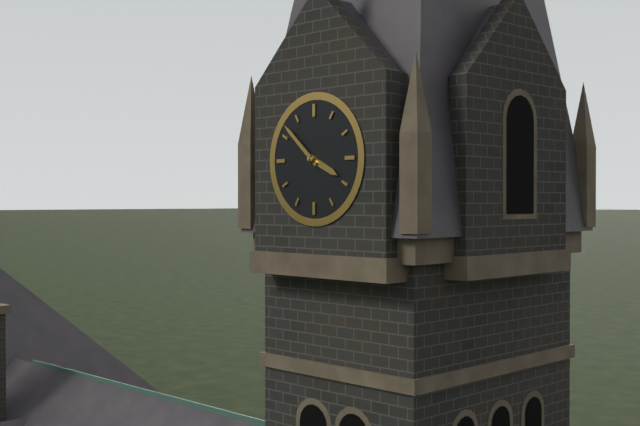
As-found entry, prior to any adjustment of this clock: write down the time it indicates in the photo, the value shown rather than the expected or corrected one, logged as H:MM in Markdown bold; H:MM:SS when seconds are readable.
**3:52**
